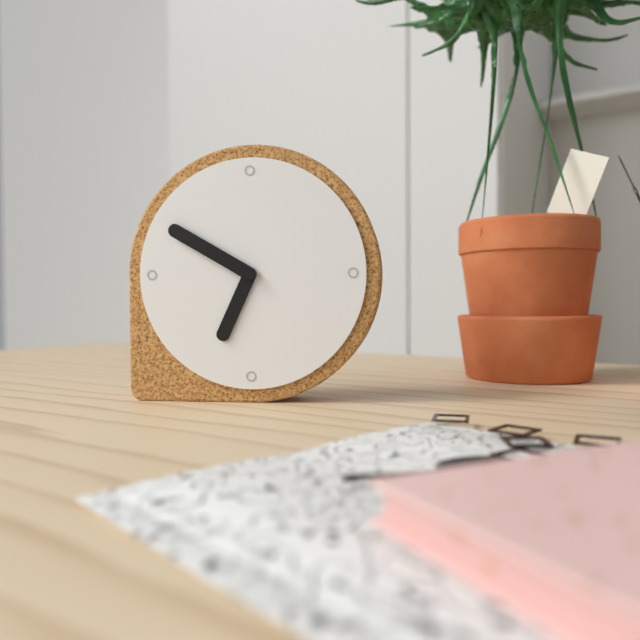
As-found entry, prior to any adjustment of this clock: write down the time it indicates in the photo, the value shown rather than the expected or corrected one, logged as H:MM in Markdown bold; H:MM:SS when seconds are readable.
**6:50**
